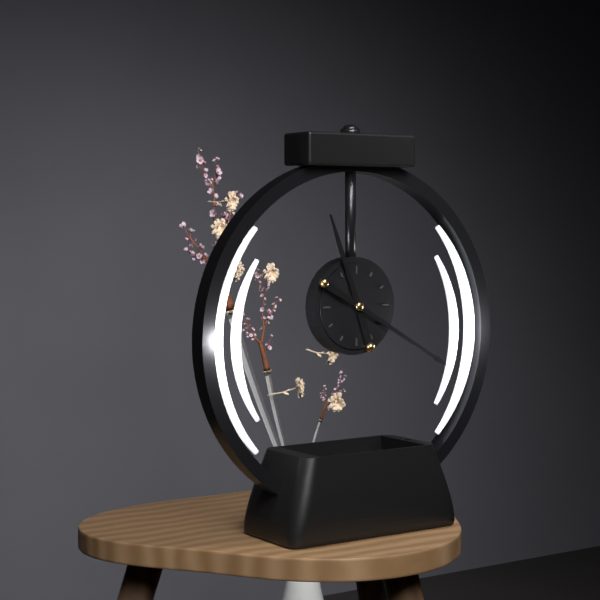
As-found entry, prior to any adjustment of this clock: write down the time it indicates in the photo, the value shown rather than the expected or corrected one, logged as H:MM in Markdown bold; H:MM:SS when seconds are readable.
**11:20**
